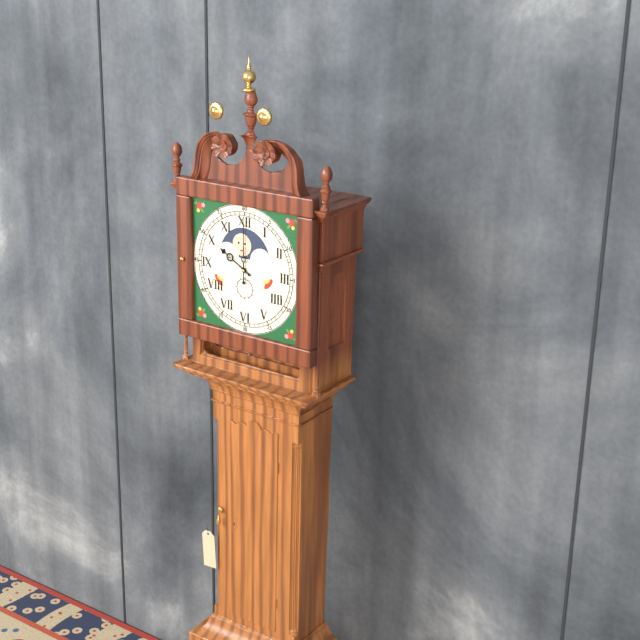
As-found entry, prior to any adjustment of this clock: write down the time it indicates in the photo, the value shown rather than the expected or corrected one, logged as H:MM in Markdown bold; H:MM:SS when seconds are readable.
**10:00**
